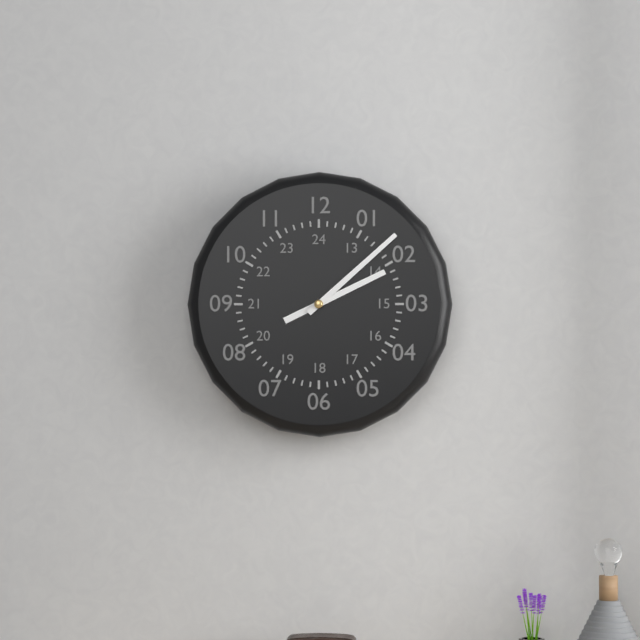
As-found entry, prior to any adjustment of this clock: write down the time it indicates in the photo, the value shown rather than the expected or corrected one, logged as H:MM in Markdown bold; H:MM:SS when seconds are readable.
**2:08**
